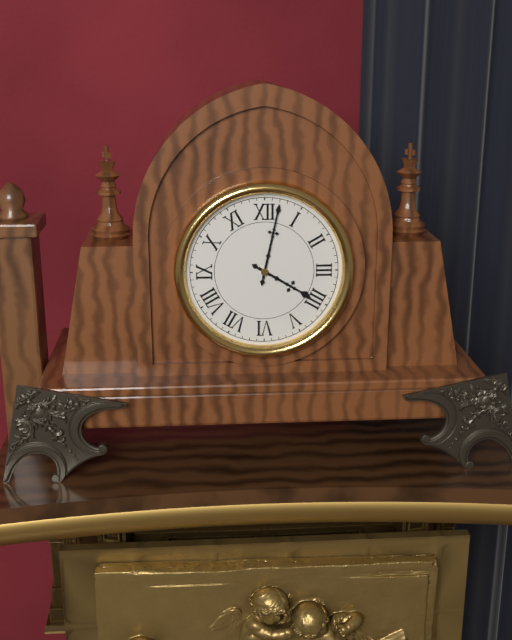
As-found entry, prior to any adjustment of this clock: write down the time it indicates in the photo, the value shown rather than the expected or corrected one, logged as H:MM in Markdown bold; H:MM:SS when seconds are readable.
**4:02**
